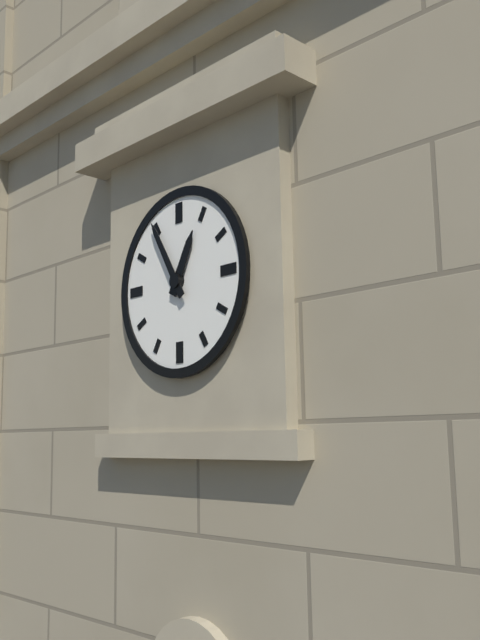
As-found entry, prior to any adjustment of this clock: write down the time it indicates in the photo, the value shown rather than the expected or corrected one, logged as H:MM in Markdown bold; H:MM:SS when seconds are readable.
**12:55**
